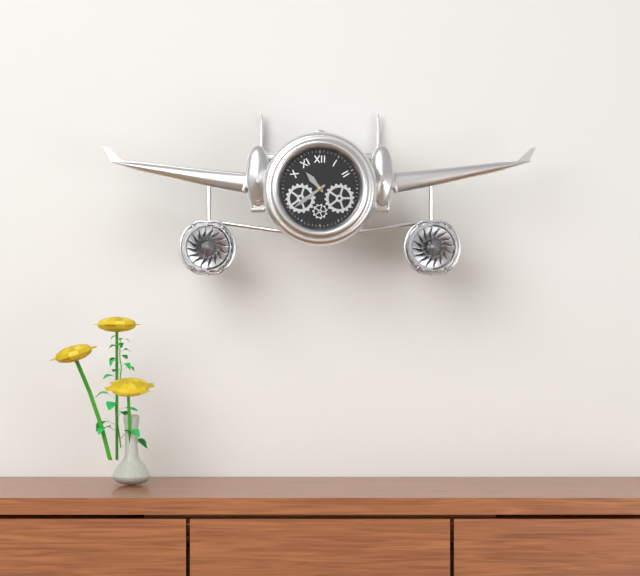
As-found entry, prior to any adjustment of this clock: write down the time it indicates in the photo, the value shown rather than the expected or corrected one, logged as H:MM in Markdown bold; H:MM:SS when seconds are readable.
**10:39**
